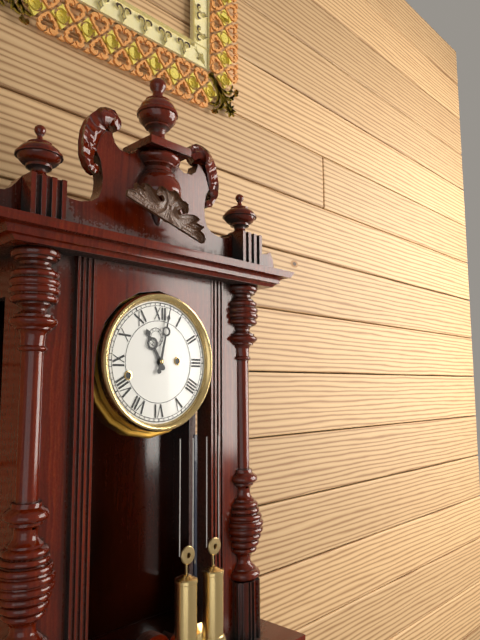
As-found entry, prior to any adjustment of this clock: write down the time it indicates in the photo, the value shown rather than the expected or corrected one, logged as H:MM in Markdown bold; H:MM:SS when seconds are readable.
**11:02**
